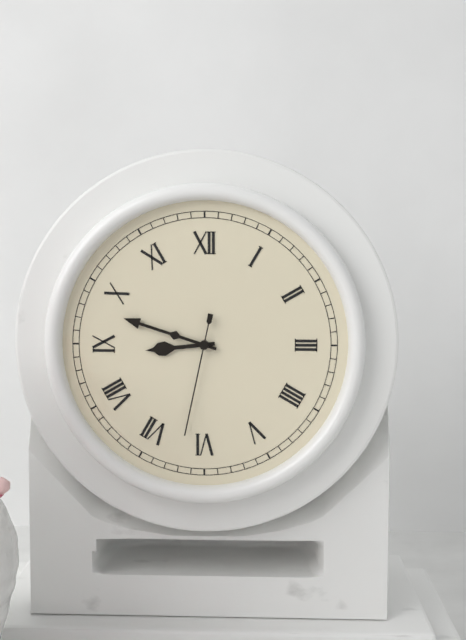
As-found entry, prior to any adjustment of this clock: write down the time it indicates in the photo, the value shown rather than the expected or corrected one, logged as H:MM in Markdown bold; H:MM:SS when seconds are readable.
**8:48:32**
